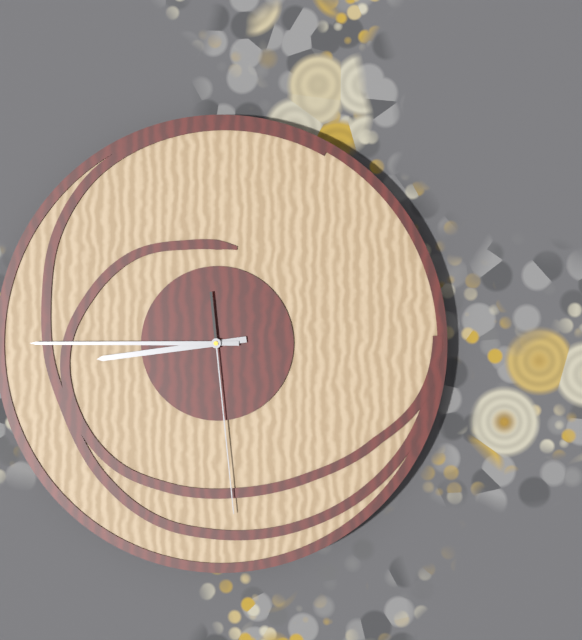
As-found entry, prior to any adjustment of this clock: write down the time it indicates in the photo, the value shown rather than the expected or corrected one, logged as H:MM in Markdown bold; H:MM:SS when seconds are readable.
**8:45:29**
